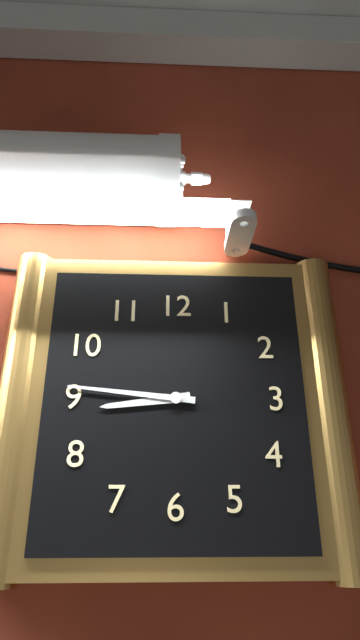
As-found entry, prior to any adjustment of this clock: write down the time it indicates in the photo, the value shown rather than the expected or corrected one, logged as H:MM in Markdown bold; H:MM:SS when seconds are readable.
**8:46**
